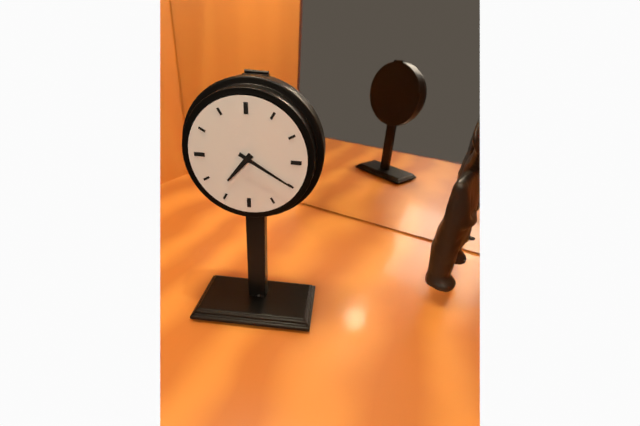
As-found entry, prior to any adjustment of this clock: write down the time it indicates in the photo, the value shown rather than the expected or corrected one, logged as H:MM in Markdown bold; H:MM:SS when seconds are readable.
**7:20**
